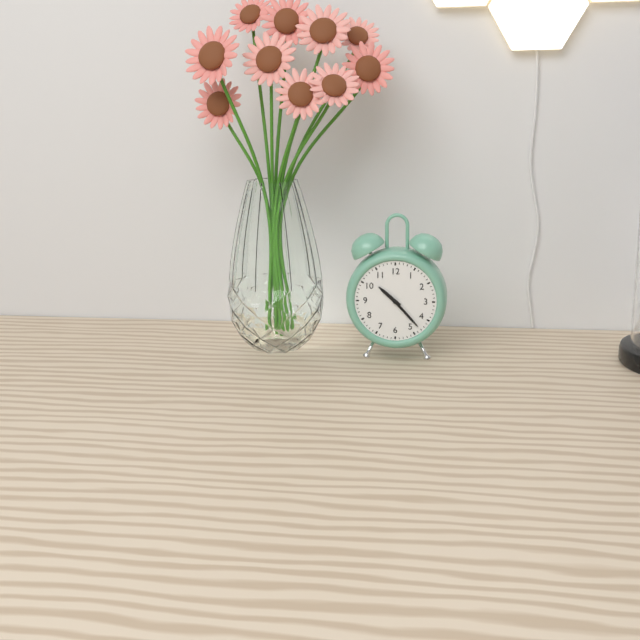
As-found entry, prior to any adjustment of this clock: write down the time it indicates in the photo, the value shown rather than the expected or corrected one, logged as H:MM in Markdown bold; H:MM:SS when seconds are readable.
**10:23**
